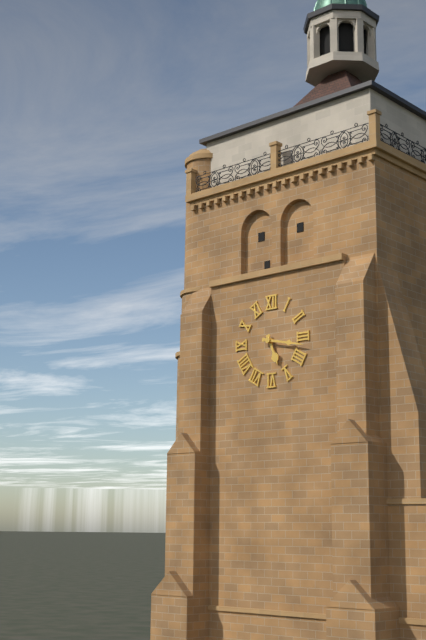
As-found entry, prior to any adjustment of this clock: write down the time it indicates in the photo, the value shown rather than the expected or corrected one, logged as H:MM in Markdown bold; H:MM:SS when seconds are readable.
**5:17**
